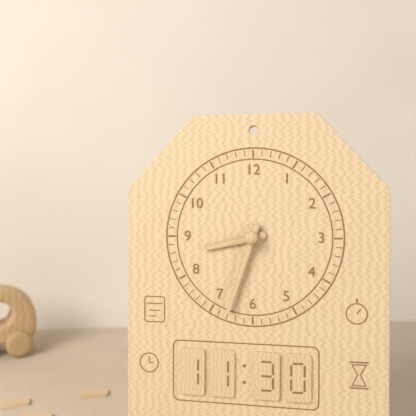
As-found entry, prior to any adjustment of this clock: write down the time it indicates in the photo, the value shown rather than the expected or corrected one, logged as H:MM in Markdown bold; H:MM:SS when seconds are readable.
**8:33**
